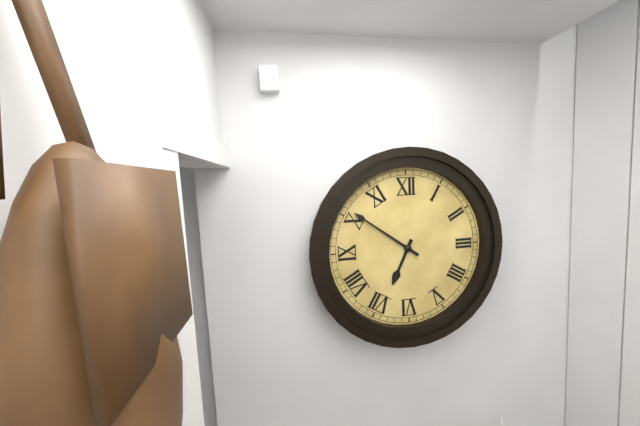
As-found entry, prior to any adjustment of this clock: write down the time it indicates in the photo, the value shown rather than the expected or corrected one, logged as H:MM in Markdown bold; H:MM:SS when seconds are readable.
**6:51**
